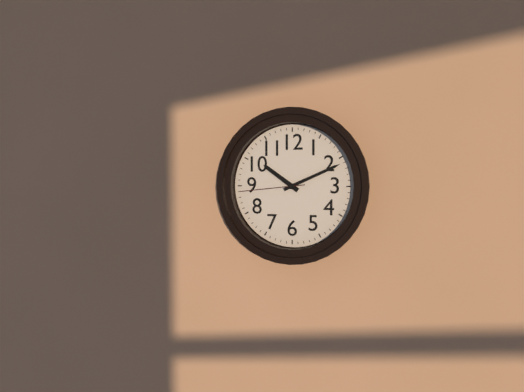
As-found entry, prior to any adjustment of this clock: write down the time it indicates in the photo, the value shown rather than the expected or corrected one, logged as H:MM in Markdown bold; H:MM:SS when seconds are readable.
**10:11:44**
